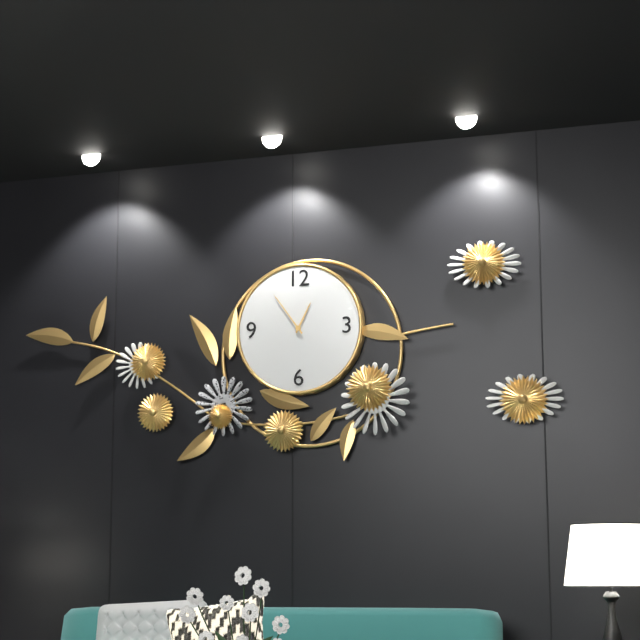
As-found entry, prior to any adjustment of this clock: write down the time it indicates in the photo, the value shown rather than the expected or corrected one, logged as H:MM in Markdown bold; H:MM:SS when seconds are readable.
**12:54**
